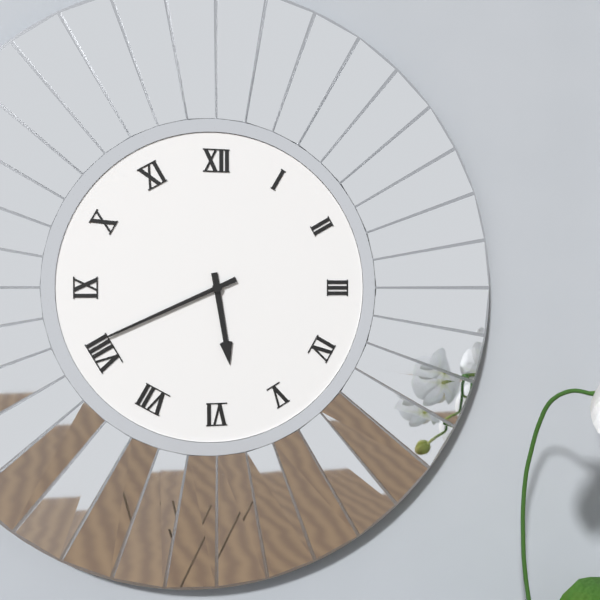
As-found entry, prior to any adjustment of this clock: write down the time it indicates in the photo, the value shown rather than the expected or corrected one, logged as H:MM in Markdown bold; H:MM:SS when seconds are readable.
**5:41**
